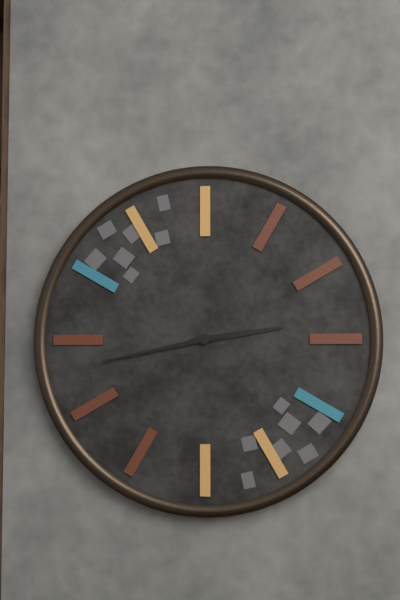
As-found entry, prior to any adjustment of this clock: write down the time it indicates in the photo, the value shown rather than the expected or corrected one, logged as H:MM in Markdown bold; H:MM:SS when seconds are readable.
**2:43**
